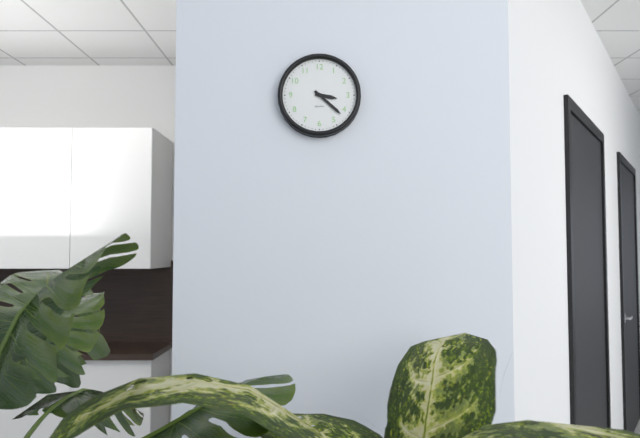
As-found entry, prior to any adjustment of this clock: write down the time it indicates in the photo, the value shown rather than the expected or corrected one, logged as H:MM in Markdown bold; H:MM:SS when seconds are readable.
**3:22**
